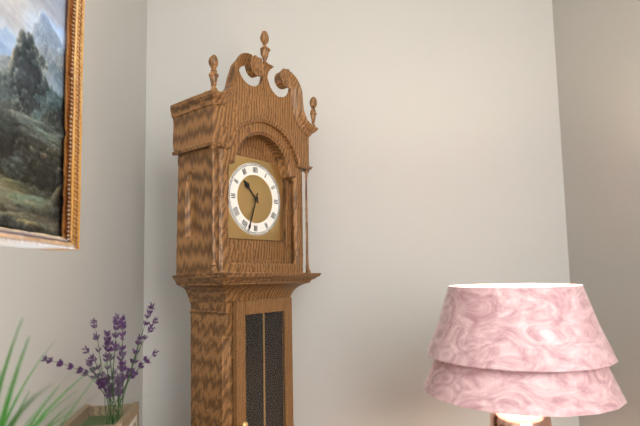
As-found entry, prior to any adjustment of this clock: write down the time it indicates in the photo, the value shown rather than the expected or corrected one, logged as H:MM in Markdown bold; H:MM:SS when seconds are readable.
**10:33**
